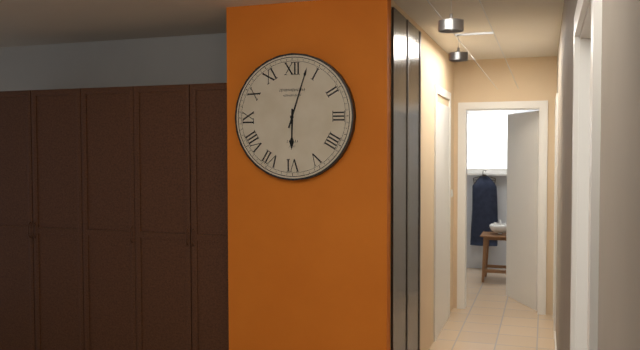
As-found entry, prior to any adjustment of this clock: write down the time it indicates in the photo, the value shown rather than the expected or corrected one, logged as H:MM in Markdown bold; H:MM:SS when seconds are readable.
**6:03**
